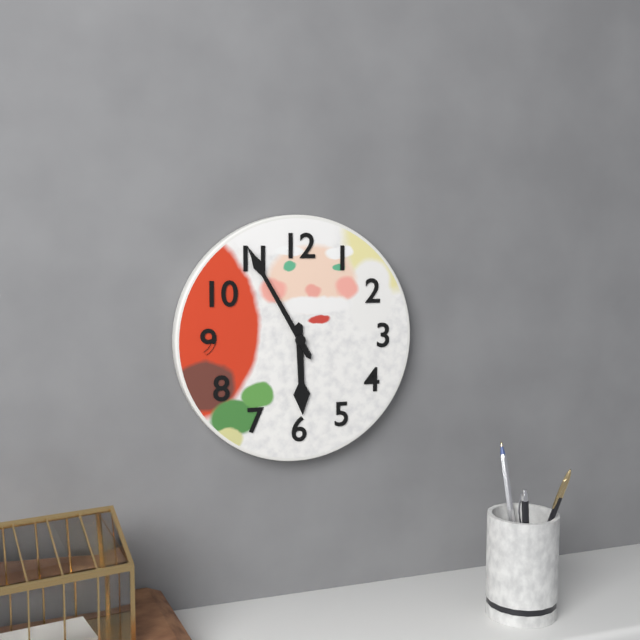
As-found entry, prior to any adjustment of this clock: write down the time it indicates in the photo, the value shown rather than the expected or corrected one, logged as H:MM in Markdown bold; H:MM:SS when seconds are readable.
**5:55**
